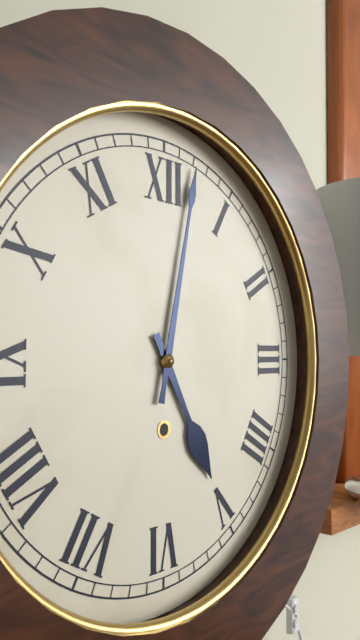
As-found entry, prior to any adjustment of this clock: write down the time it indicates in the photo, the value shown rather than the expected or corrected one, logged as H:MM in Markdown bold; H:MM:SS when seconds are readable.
**5:02**
